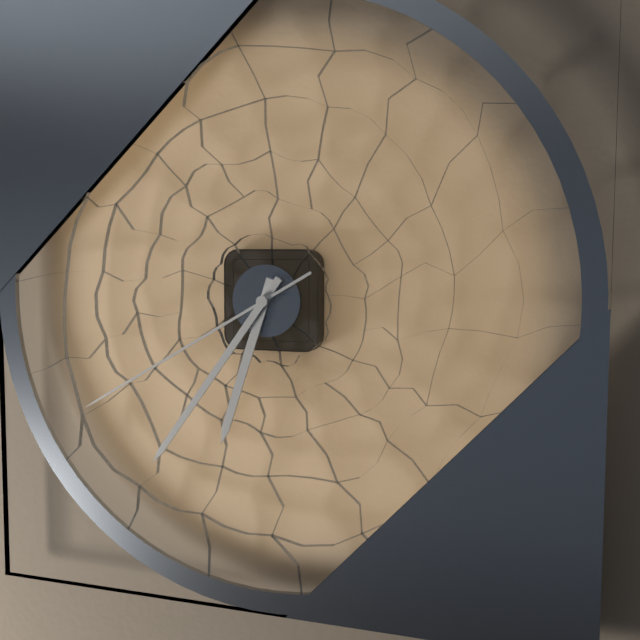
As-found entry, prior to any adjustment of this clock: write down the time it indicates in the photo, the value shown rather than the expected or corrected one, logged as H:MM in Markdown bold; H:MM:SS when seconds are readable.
**6:36:40**
